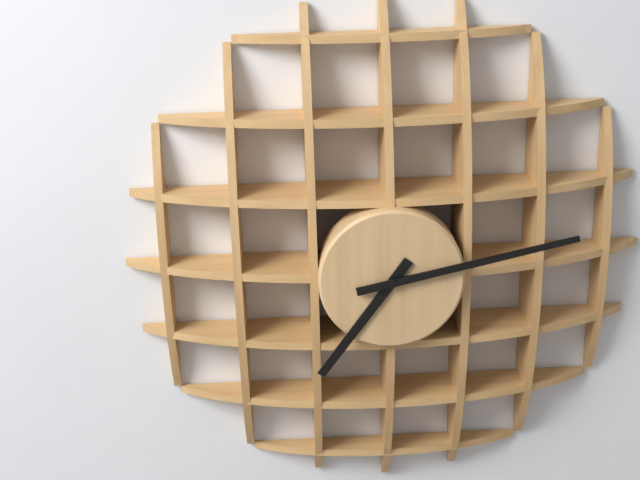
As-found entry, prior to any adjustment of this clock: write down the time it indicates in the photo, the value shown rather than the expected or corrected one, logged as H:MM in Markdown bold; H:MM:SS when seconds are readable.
**7:13**
